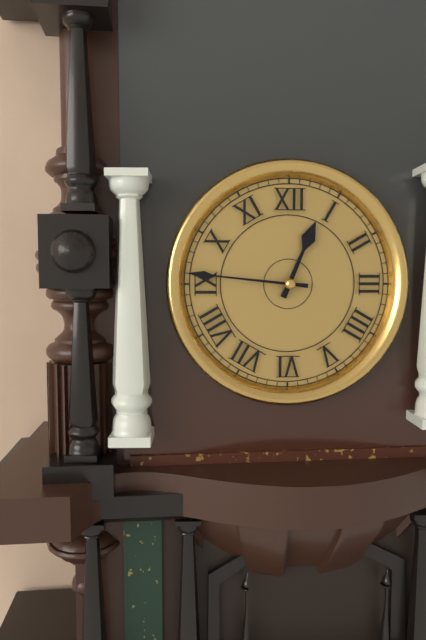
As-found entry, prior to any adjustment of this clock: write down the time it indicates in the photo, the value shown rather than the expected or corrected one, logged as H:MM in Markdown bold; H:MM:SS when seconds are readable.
**12:46**
